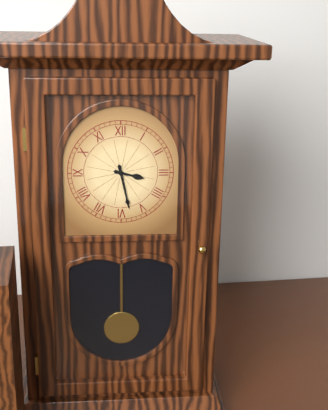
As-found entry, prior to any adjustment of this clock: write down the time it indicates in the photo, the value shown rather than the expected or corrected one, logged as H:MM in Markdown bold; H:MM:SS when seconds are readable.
**3:28**
